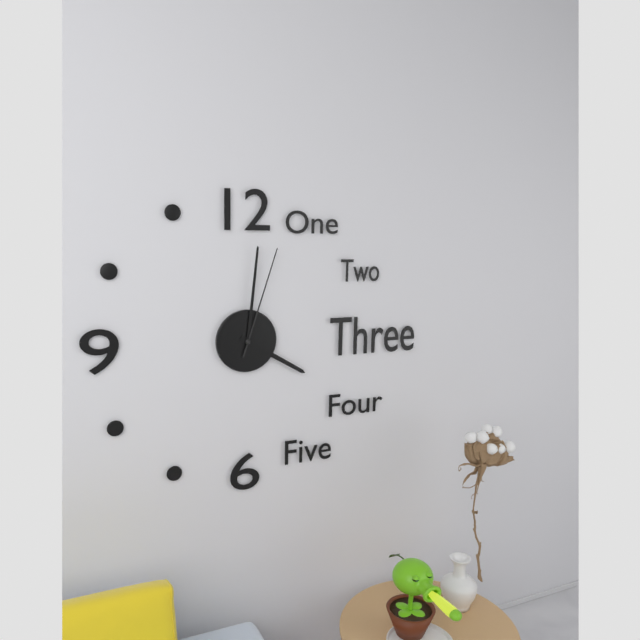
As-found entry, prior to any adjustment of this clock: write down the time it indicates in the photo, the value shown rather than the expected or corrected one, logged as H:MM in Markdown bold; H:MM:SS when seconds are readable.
**4:01:03**
